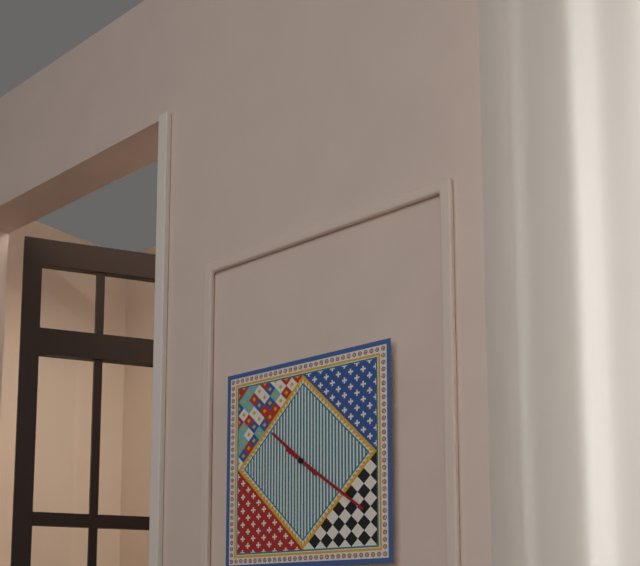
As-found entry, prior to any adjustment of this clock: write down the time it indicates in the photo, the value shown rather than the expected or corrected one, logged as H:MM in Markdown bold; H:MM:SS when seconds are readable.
**10:21**
